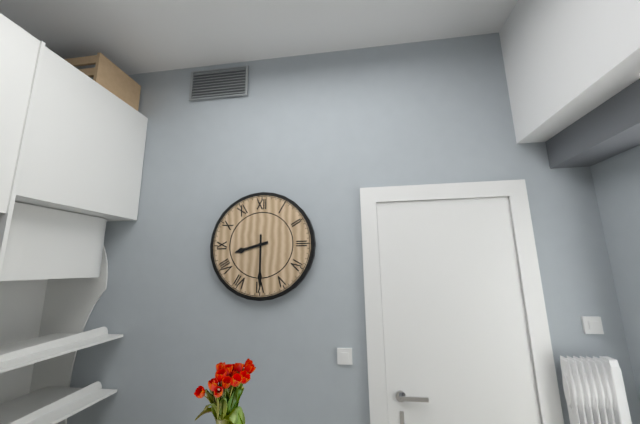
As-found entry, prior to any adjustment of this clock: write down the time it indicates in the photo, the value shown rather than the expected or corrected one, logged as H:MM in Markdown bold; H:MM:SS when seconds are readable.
**8:30**
